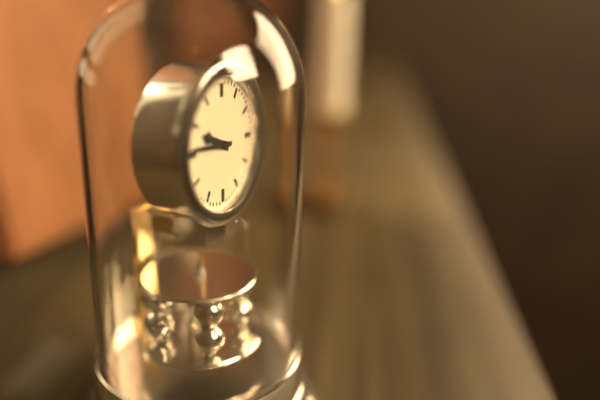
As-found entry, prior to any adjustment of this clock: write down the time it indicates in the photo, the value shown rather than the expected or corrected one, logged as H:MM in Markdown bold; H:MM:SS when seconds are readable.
**9:46**
